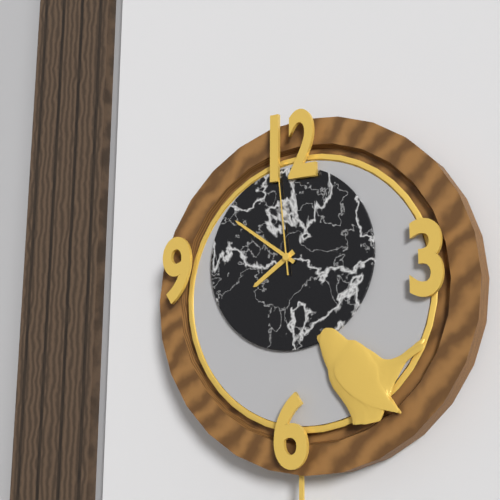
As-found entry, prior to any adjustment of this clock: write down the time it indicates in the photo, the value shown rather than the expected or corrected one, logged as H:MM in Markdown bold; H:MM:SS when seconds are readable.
**7:51:59**
